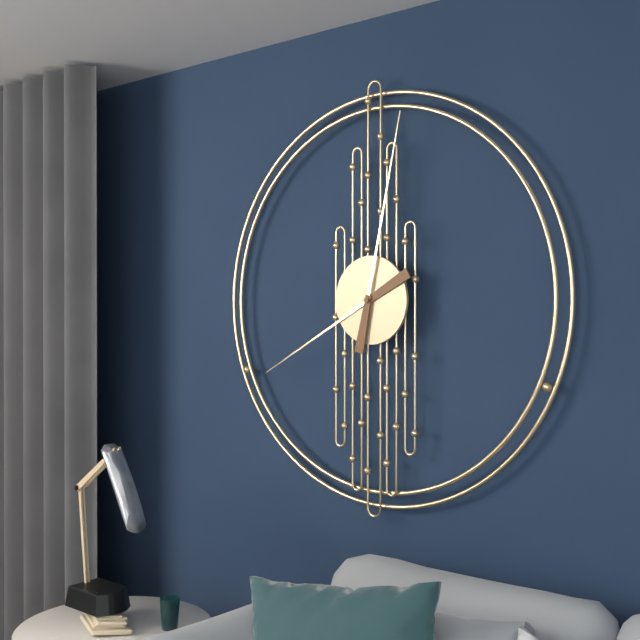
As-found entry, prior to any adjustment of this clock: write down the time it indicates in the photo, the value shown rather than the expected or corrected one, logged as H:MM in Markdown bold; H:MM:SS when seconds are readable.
**8:02**
